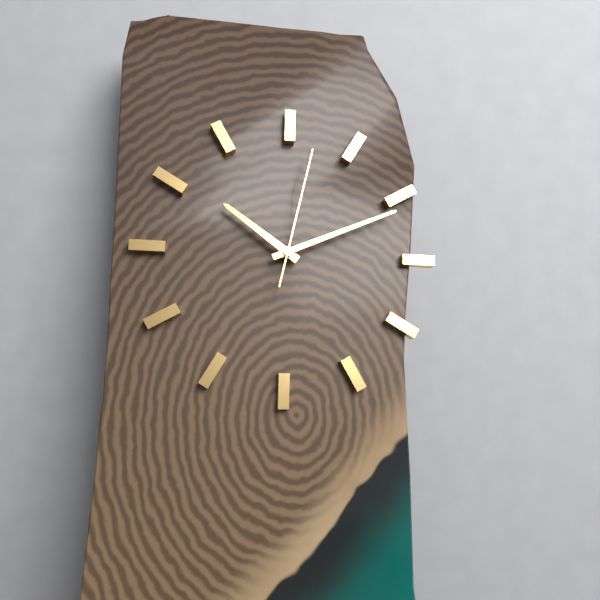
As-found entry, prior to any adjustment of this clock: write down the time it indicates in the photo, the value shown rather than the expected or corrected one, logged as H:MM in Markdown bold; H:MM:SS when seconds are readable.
**10:11:02**
